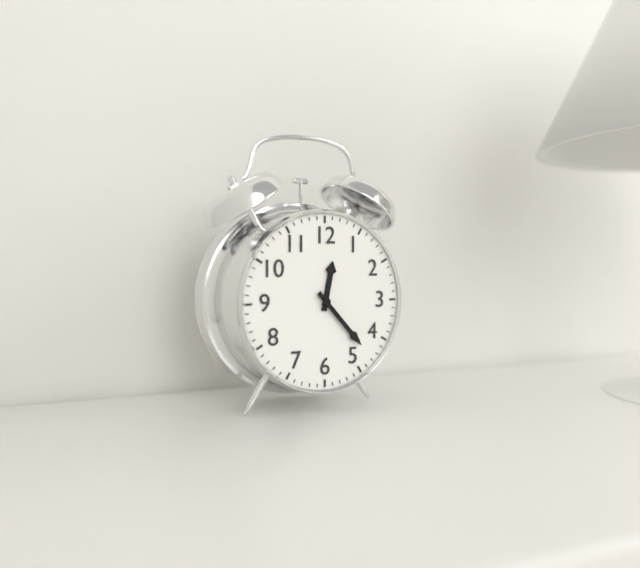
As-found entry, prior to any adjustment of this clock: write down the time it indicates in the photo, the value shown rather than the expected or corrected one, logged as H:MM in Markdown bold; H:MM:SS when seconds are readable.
**12:23**
